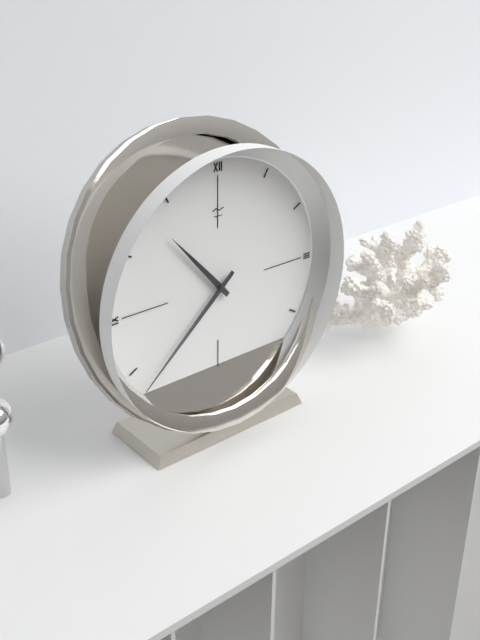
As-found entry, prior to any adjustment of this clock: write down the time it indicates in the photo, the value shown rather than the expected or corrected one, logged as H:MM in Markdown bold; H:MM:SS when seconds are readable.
**10:38**
